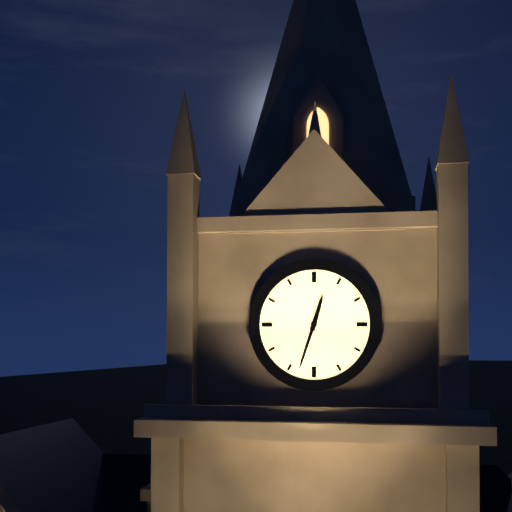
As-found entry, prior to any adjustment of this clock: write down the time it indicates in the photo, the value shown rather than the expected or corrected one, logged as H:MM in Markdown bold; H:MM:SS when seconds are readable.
**12:33**
